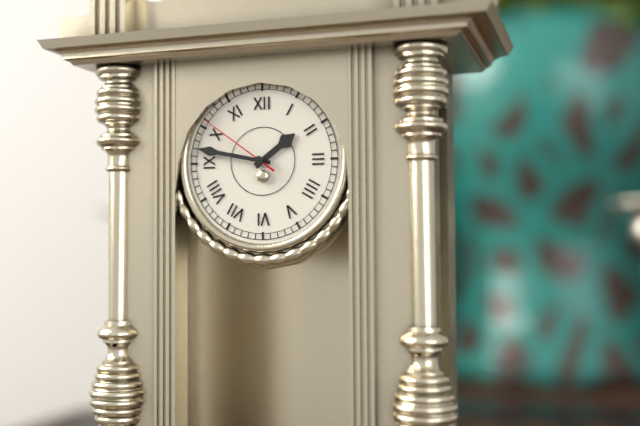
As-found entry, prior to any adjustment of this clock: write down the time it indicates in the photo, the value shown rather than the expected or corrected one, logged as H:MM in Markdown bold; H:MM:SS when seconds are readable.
**1:47:51**
